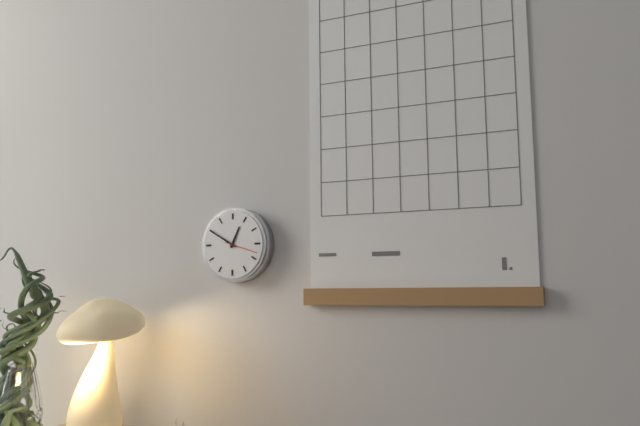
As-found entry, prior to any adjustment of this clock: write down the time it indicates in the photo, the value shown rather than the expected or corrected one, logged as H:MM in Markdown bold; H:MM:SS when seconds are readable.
**12:50**
